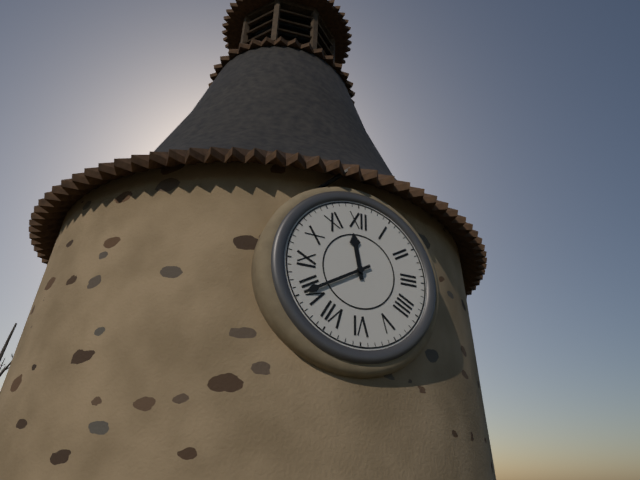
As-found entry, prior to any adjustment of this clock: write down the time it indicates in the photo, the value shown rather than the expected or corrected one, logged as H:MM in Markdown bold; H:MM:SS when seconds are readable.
**11:40**
